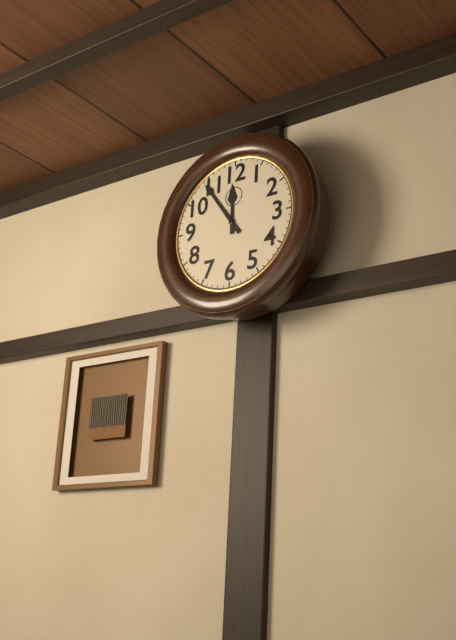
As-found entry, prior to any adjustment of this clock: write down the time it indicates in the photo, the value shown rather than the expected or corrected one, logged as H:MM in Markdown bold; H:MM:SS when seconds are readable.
**11:54**
